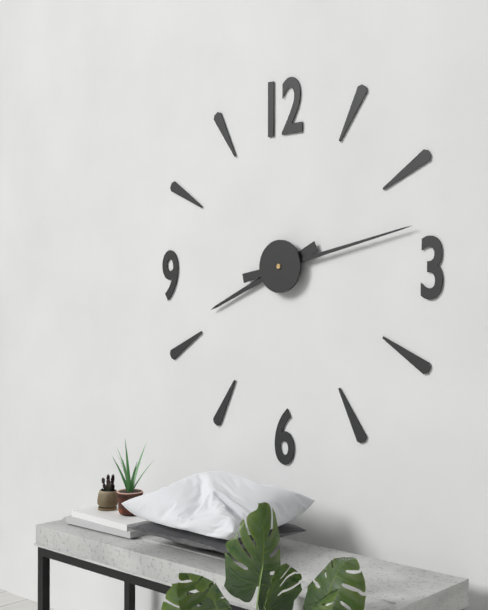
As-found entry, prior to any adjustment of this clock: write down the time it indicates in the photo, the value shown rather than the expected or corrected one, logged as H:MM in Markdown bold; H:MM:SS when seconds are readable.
**8:13**
